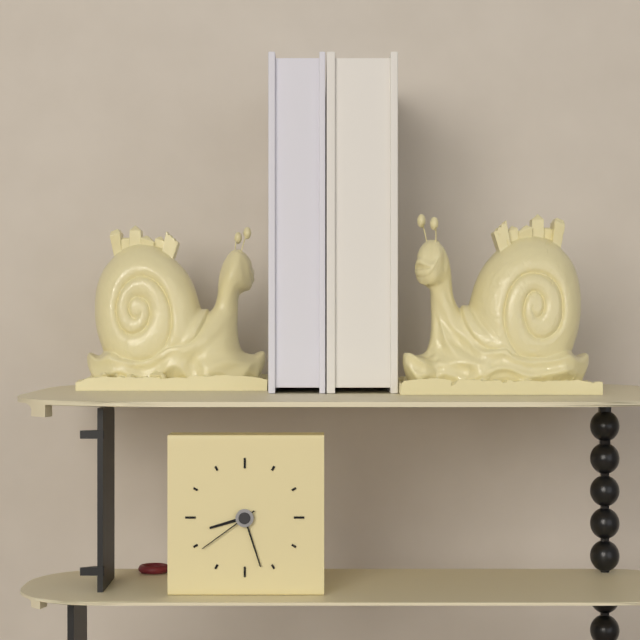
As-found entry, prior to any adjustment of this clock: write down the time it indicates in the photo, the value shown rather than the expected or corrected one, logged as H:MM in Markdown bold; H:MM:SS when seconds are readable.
**8:27:39**
